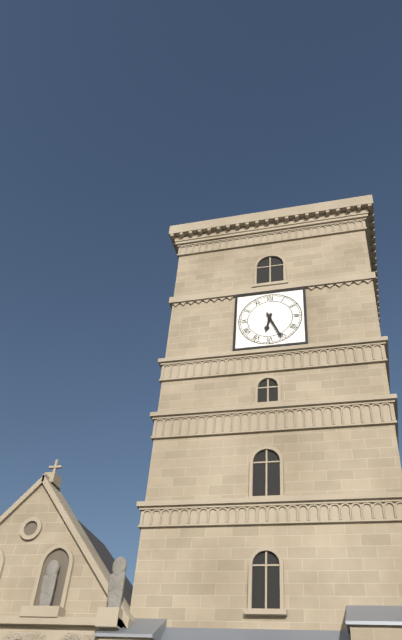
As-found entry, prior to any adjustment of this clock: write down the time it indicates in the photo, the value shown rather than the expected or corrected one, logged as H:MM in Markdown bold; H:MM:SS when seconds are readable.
**6:26**
